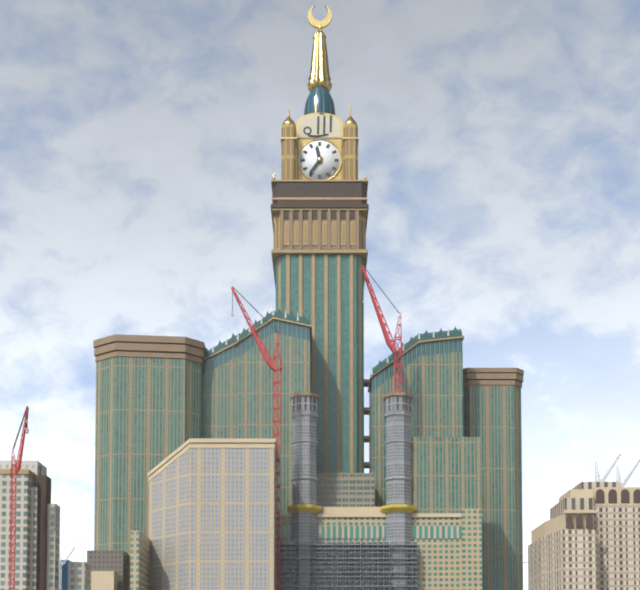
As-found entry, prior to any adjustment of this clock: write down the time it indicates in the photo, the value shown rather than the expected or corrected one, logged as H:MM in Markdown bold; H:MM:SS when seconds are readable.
**11:36**
